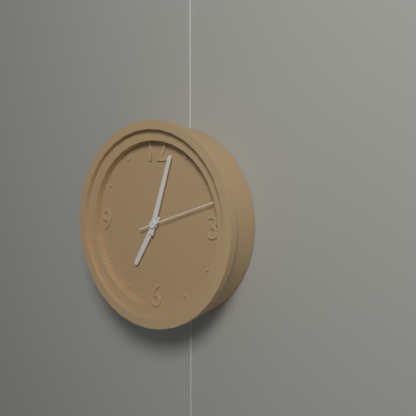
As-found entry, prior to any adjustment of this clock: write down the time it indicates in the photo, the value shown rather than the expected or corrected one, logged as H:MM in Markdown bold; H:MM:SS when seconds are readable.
**7:03:12**
